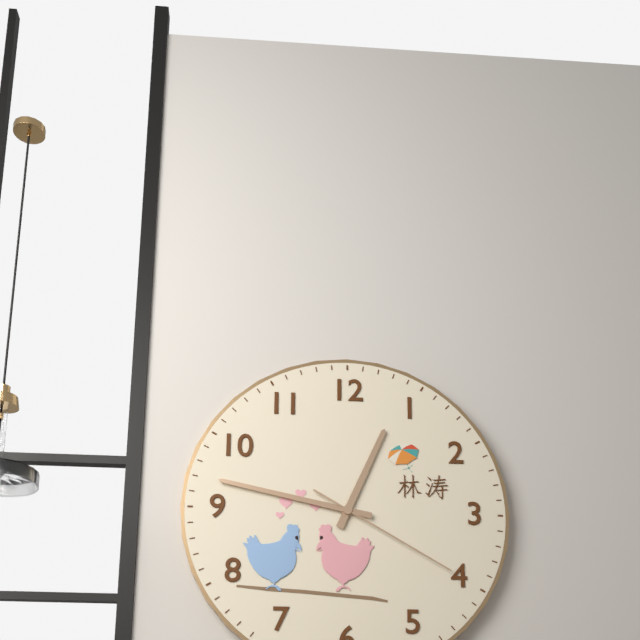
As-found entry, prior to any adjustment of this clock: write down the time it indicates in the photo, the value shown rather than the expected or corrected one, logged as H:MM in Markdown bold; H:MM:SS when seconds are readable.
**12:47:20**
